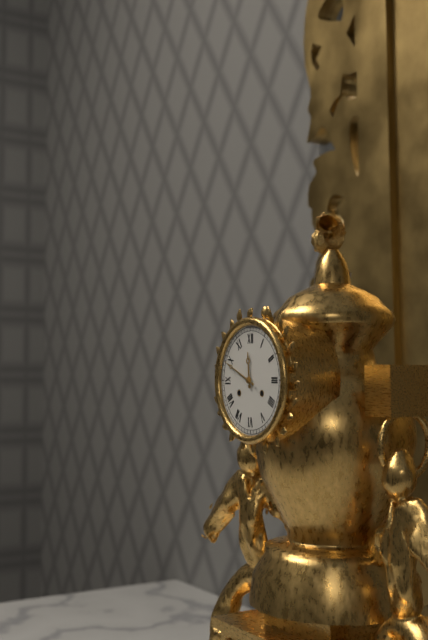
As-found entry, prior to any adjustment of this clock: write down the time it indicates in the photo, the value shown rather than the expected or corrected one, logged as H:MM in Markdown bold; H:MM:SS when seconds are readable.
**11:49**
